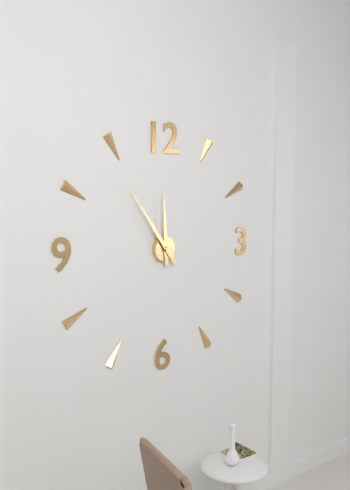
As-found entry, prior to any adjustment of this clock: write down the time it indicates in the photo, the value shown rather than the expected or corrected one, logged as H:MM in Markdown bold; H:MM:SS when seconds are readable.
**11:54**
